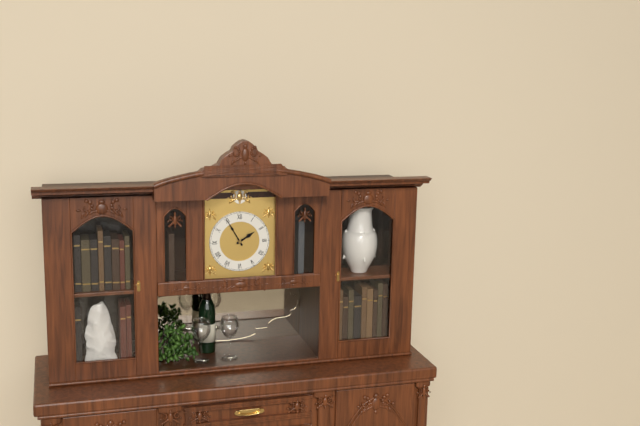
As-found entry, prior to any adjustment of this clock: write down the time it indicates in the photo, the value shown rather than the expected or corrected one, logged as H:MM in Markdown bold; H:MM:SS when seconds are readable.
**1:55**
